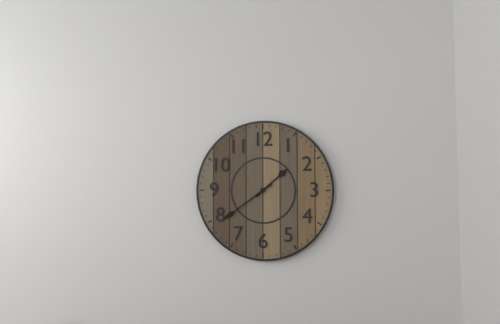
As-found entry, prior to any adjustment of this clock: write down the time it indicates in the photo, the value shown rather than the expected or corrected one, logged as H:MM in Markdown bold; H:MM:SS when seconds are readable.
**1:39**
